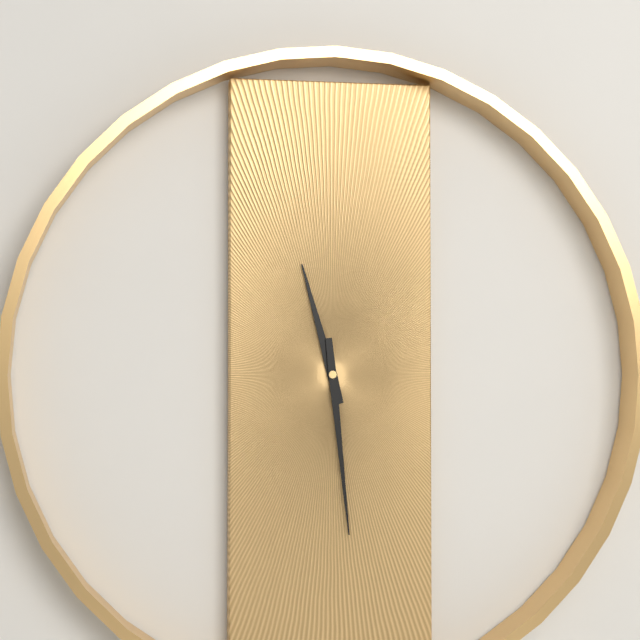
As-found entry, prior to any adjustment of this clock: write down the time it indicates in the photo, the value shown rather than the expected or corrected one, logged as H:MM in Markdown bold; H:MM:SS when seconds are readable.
**11:29**
